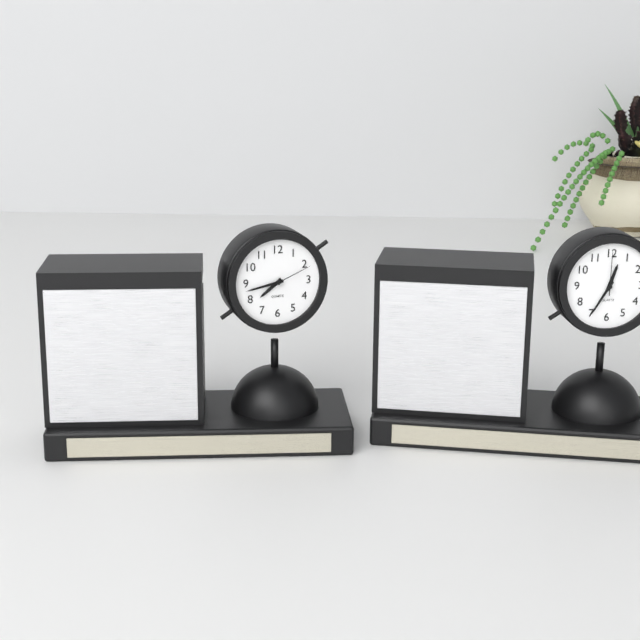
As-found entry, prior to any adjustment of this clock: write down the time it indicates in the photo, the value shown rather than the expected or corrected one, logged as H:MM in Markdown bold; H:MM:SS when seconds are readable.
**7:43**
